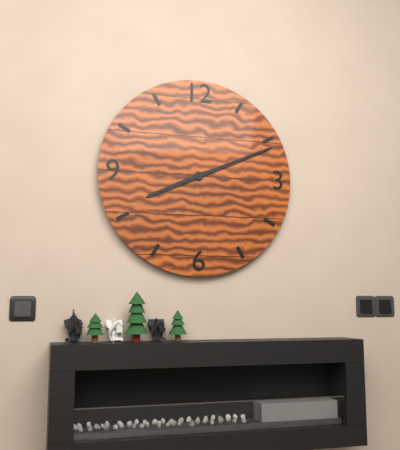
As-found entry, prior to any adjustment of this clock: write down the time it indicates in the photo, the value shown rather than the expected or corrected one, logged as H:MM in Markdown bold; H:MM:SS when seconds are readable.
**8:11**
